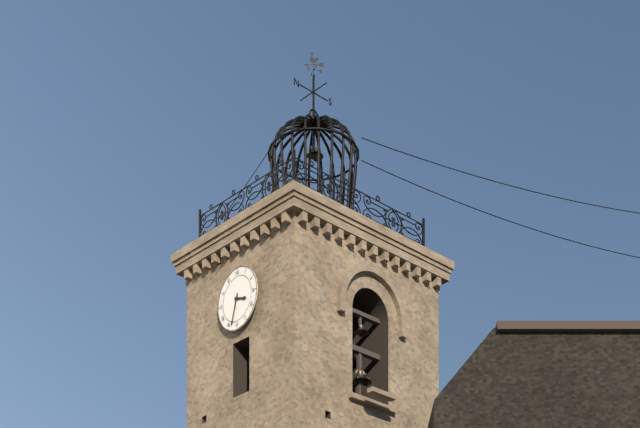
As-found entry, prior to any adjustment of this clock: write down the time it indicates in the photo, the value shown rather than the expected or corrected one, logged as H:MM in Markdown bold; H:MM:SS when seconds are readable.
**3:33**
